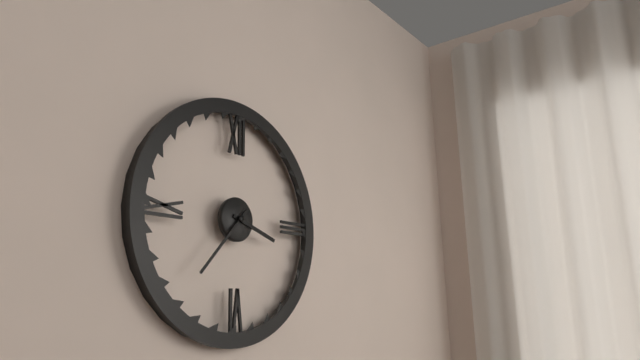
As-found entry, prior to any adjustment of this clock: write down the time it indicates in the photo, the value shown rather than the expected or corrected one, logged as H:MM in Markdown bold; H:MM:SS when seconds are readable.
**3:37**
